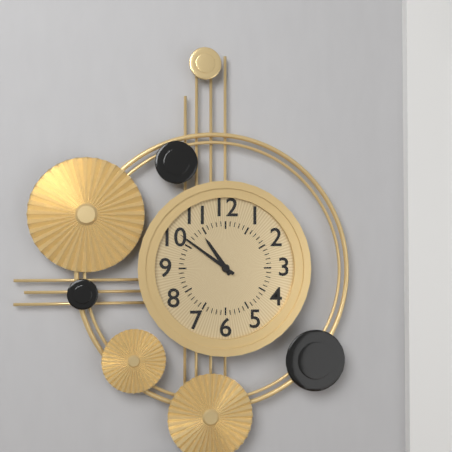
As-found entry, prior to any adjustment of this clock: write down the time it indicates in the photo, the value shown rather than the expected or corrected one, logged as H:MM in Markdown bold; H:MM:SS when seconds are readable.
**10:51**
